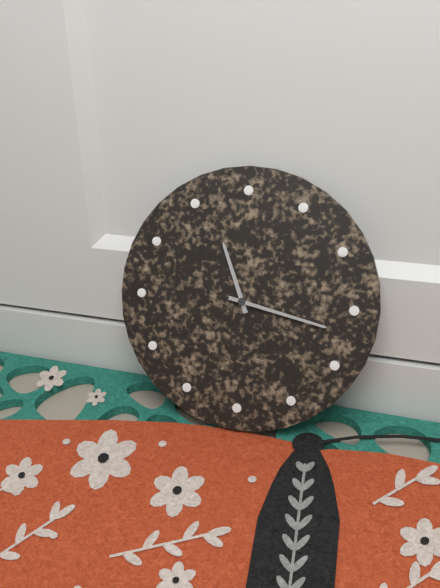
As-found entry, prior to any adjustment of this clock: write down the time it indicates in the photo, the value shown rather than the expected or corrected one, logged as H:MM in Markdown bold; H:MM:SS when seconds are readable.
**11:17**
